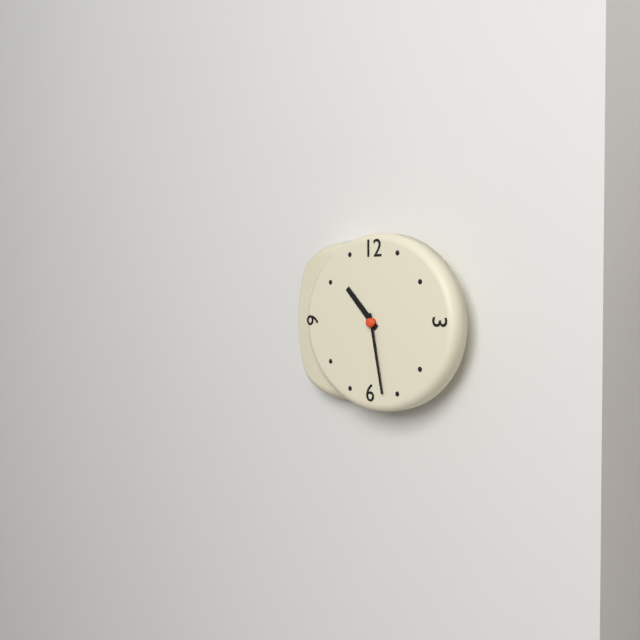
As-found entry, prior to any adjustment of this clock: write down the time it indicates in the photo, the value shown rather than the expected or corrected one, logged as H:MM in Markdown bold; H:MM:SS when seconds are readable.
**10:28**
